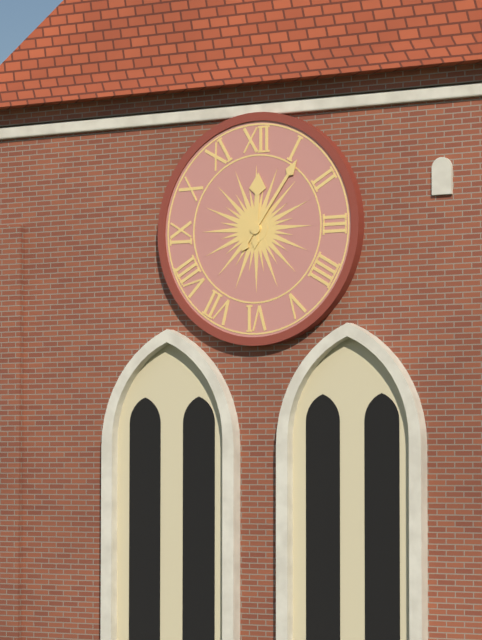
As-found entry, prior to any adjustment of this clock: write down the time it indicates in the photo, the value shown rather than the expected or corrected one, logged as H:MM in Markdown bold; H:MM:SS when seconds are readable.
**12:06**
